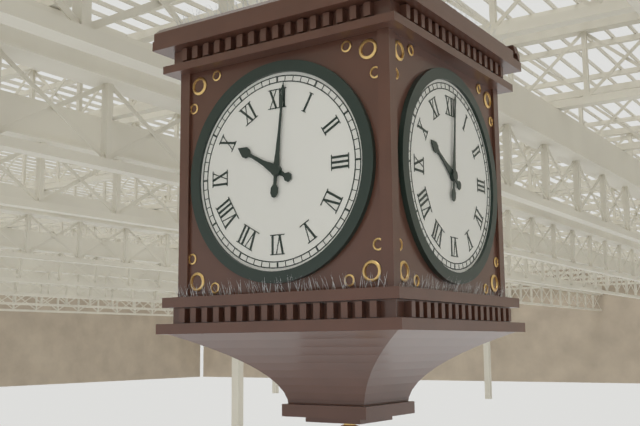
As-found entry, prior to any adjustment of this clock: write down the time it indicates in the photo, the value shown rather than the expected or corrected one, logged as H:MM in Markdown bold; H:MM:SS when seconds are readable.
**10:01**
